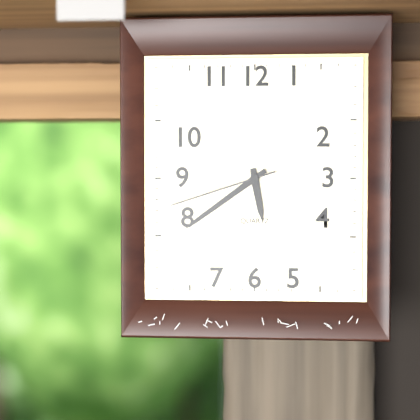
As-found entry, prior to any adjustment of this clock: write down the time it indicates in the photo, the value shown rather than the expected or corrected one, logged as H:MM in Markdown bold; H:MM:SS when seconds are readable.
**5:39:42**
